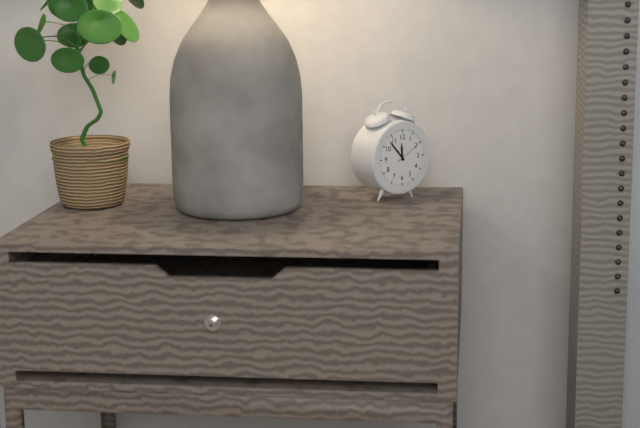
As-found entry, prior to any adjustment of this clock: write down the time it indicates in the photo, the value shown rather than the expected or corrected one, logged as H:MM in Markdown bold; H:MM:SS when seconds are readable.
**11:53**
